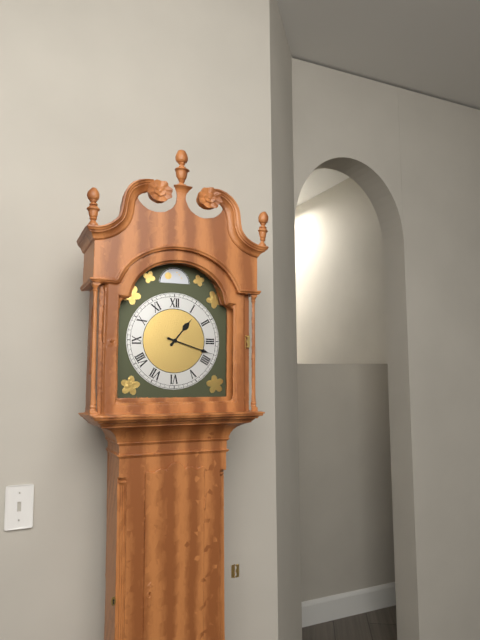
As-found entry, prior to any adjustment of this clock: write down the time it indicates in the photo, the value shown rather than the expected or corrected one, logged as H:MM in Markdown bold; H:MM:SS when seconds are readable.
**1:18**
